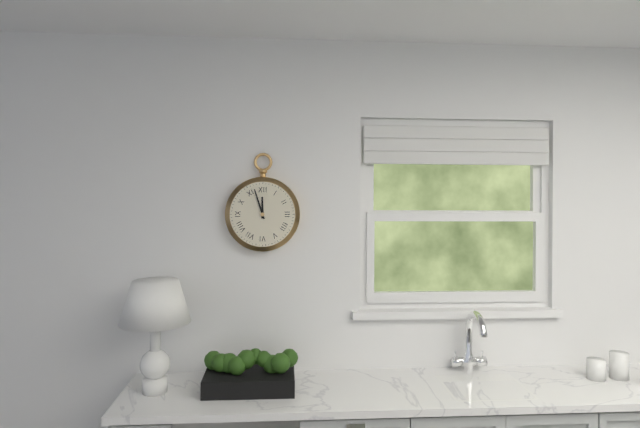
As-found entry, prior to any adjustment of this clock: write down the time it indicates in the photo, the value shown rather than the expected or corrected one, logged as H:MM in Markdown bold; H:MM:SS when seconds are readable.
**11:57**
